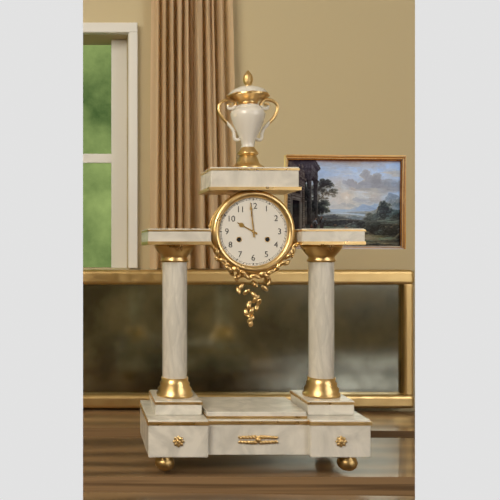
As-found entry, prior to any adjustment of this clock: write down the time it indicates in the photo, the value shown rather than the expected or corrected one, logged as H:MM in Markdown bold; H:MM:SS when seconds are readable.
**9:59**
